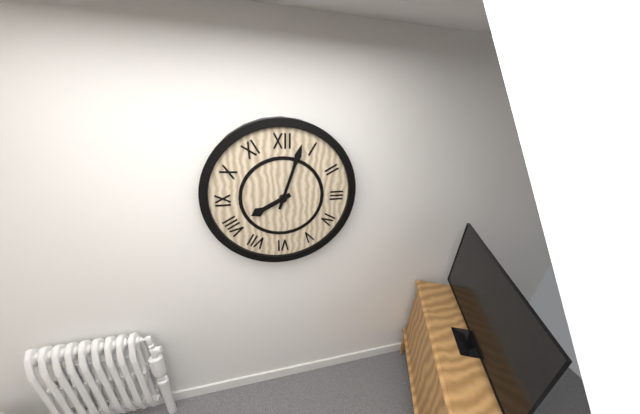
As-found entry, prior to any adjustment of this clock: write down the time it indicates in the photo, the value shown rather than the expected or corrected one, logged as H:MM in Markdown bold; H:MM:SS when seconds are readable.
**8:03**
